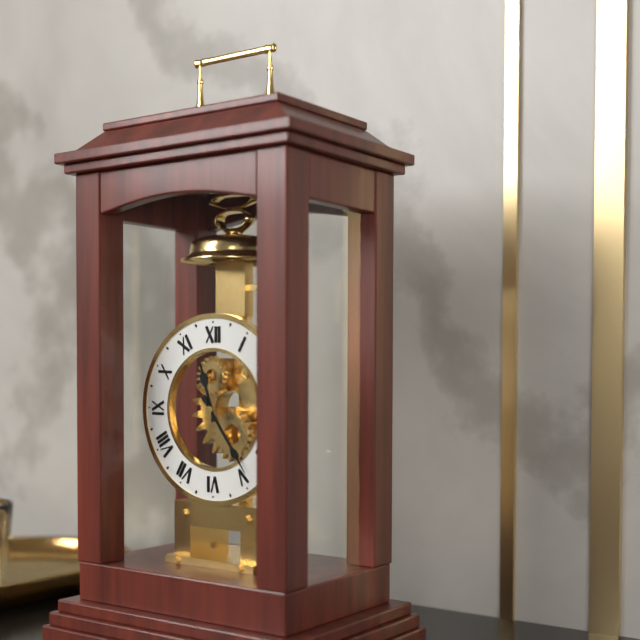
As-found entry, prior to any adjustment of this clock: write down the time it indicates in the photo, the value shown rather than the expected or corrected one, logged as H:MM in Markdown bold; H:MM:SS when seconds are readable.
**11:24**
